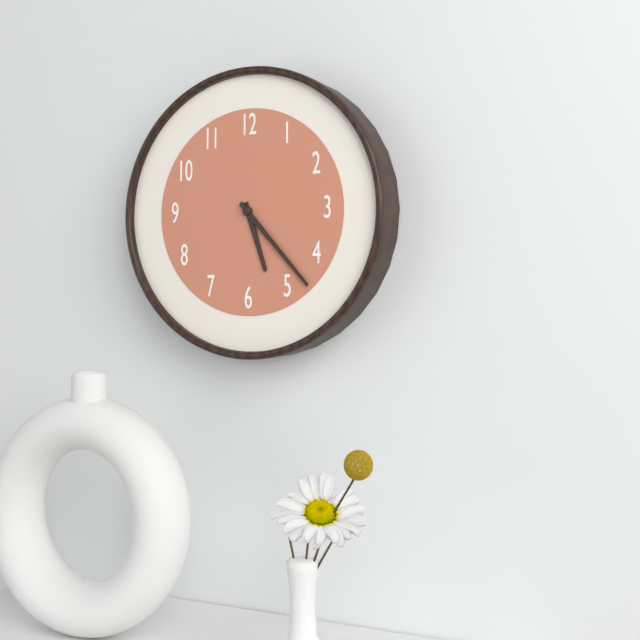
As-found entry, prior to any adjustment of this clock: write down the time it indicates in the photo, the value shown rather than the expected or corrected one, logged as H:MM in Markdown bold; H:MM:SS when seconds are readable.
**5:23**
